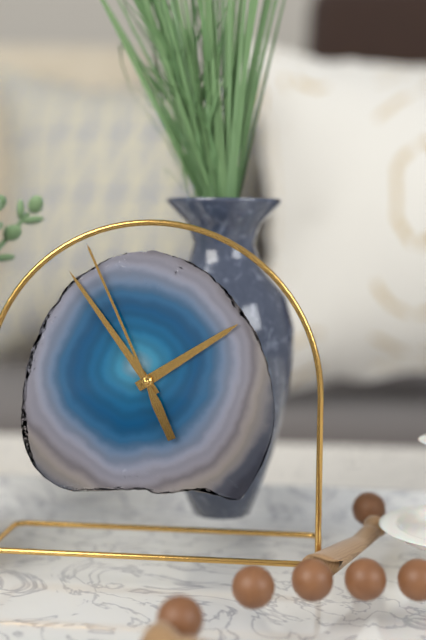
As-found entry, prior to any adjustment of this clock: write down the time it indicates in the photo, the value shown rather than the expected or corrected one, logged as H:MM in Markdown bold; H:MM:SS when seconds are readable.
**1:54:56**
